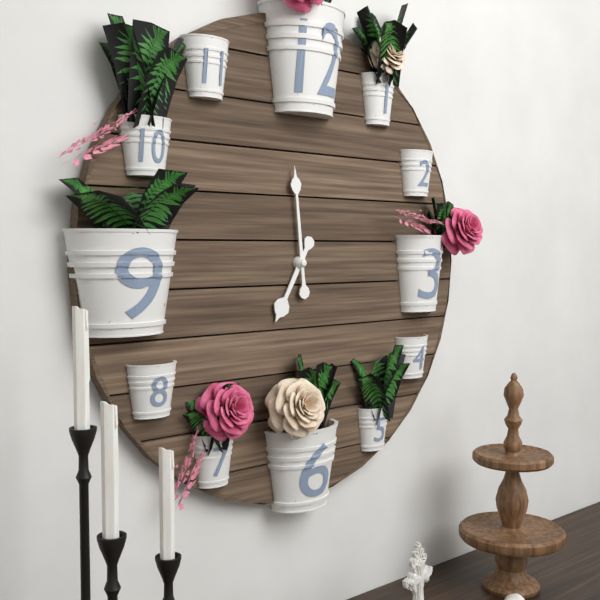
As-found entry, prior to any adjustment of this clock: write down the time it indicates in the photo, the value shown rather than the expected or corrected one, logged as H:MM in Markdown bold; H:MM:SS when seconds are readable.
**6:59**
